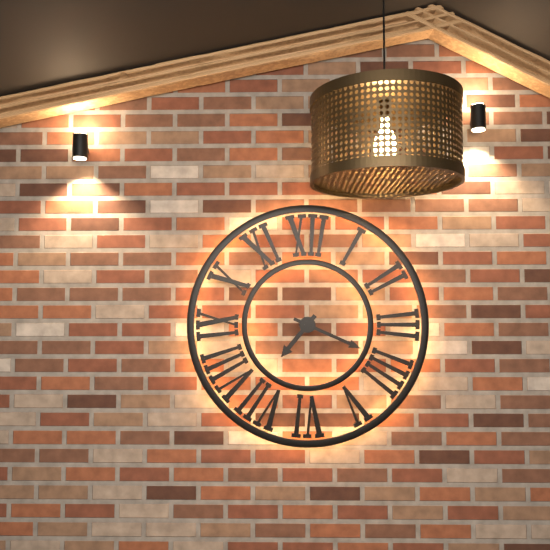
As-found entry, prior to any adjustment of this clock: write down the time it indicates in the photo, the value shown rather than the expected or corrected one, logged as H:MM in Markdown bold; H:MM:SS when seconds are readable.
**7:19**
